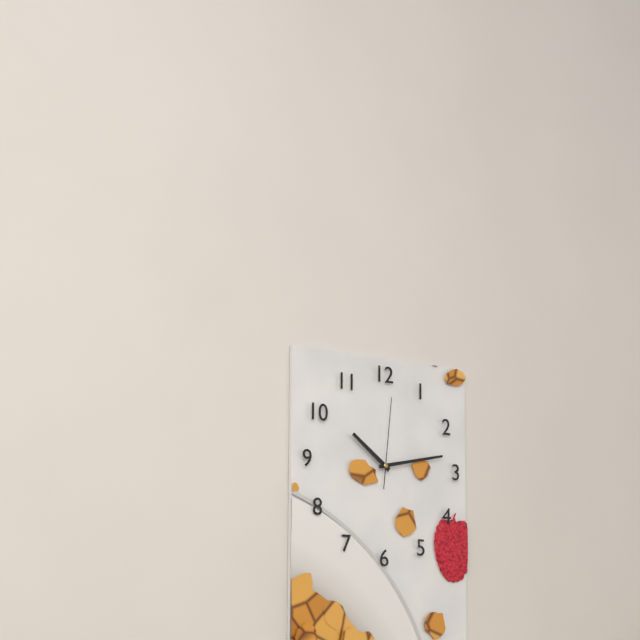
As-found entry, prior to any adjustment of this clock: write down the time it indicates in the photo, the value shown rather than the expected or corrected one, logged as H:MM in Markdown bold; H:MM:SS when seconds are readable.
**10:13:01**
